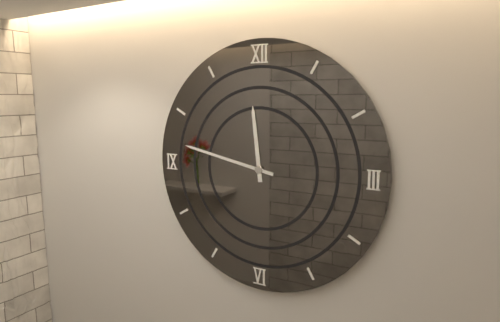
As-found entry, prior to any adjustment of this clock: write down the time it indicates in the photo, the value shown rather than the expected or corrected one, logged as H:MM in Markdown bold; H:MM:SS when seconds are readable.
**11:47**
